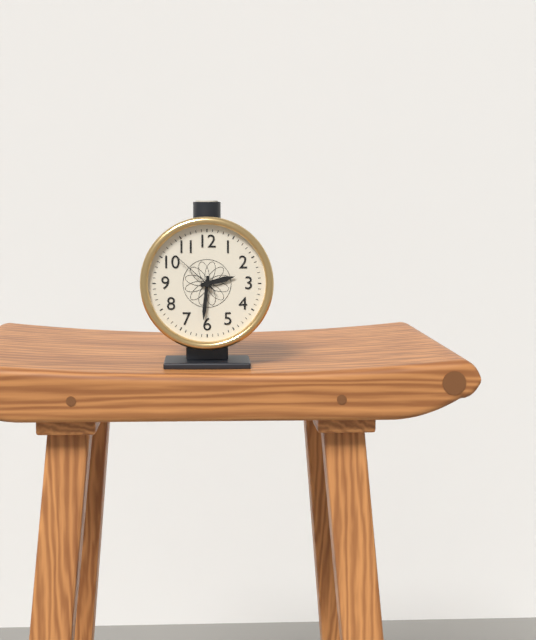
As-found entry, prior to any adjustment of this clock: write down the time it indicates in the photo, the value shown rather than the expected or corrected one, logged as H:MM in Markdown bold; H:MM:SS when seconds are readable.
**2:31:52**
